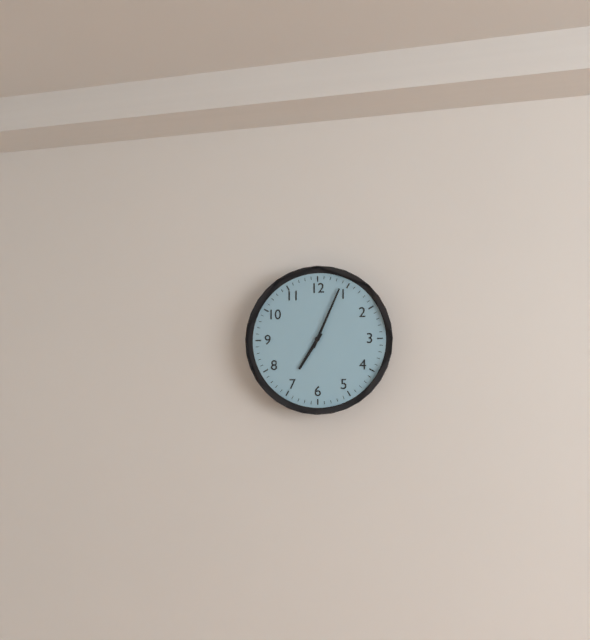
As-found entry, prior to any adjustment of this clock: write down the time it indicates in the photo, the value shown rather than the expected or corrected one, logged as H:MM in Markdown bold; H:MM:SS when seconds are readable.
**7:04**
